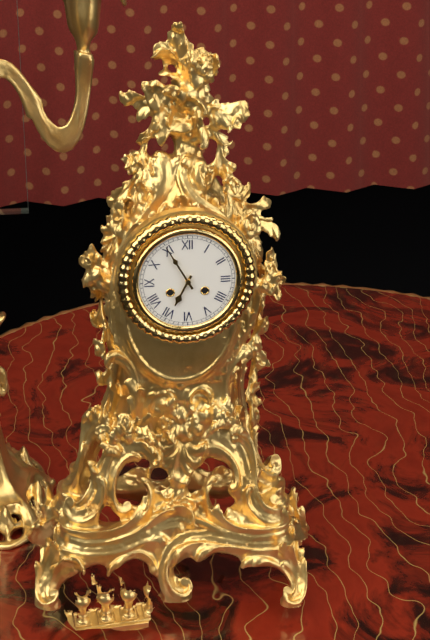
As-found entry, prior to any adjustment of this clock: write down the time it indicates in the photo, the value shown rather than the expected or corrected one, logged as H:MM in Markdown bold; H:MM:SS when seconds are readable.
**6:55**
